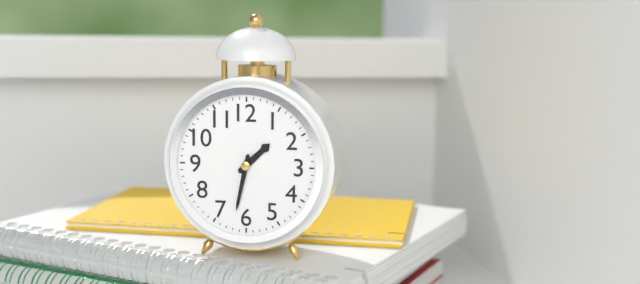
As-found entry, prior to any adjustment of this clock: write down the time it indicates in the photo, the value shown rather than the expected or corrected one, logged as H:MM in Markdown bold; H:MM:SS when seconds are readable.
**1:32**
